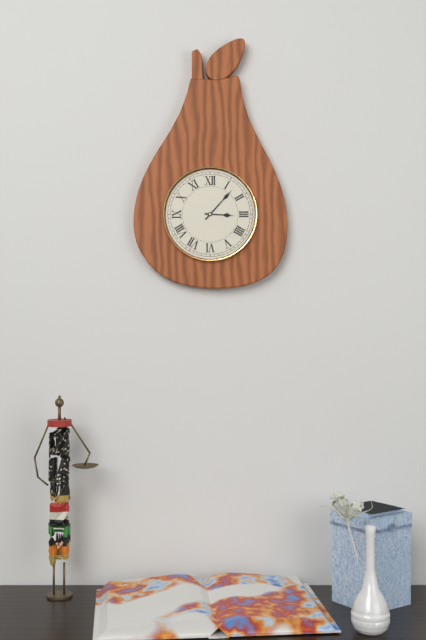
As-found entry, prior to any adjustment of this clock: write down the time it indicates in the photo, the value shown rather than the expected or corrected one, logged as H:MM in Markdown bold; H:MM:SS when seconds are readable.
**3:07**
